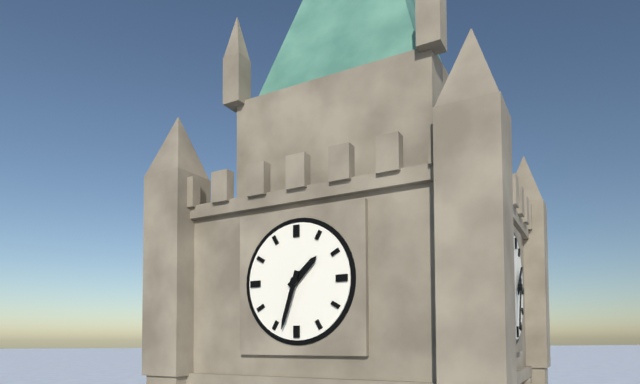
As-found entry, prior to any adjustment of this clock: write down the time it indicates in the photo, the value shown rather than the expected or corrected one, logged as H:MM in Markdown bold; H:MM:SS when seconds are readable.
**1:33**
